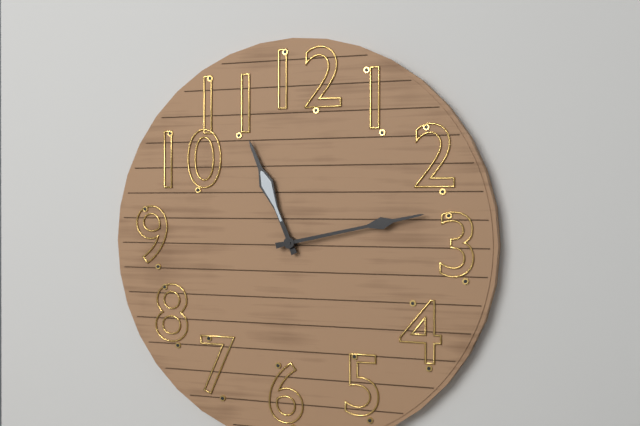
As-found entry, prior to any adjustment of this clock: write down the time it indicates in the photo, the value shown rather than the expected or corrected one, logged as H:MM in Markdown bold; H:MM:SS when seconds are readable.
**11:13**
